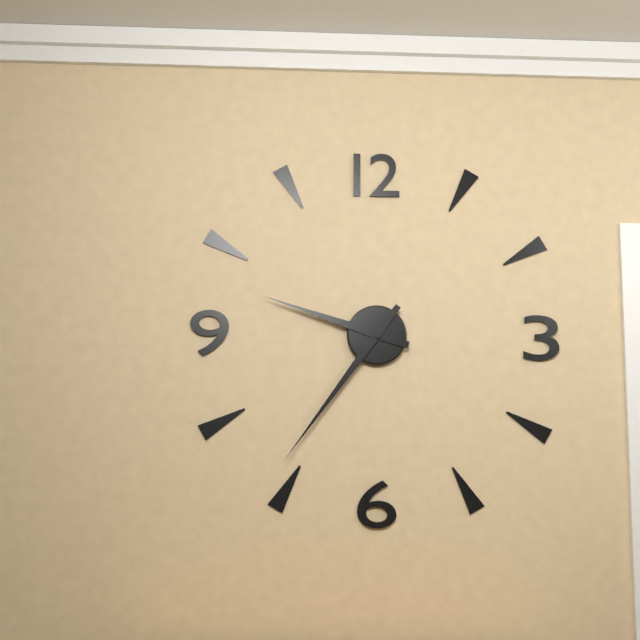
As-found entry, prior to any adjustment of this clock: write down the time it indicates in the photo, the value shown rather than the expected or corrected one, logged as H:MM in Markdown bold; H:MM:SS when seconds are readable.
**9:36**
